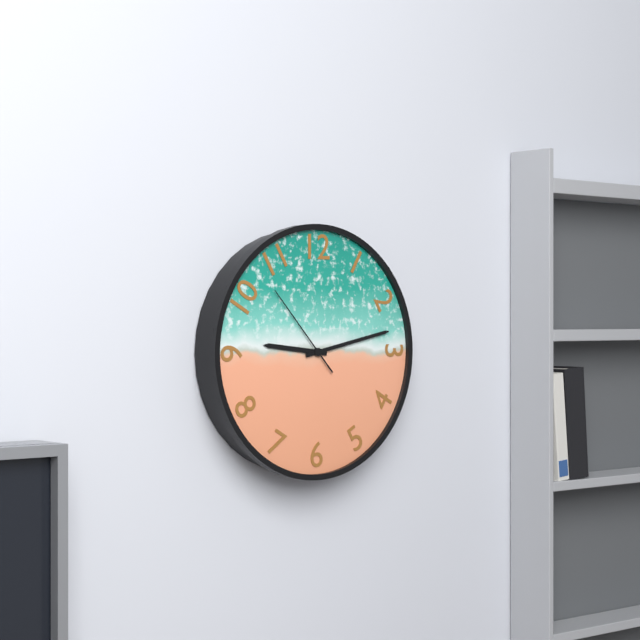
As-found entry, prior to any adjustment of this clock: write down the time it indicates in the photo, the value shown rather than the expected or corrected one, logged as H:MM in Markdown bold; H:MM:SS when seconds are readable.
**9:13:53**
